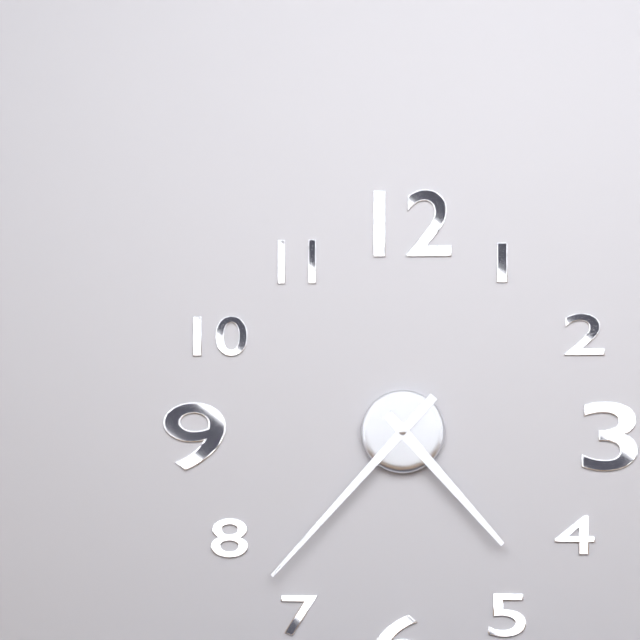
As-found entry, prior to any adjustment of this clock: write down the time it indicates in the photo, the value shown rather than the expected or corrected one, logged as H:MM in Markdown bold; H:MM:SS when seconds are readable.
**4:37**
